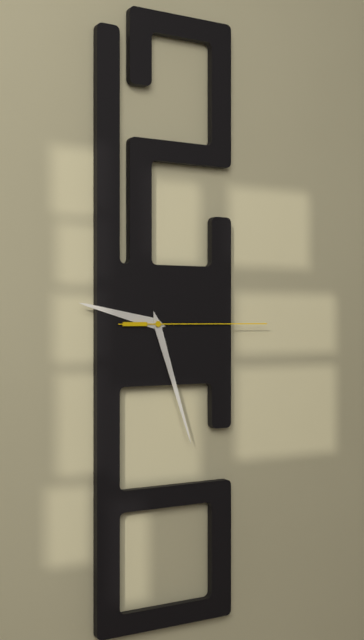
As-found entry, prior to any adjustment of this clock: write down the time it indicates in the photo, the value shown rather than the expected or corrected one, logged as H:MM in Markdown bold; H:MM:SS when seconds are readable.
**9:27:15**
